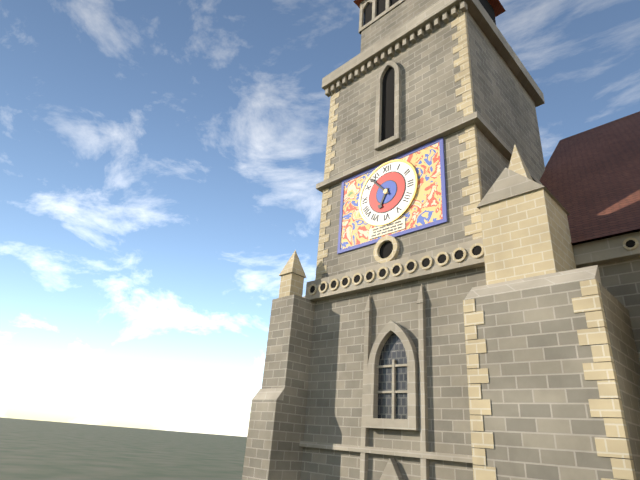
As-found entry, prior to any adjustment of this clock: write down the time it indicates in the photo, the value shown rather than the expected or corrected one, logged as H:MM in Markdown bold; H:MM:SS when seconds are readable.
**6:53**
